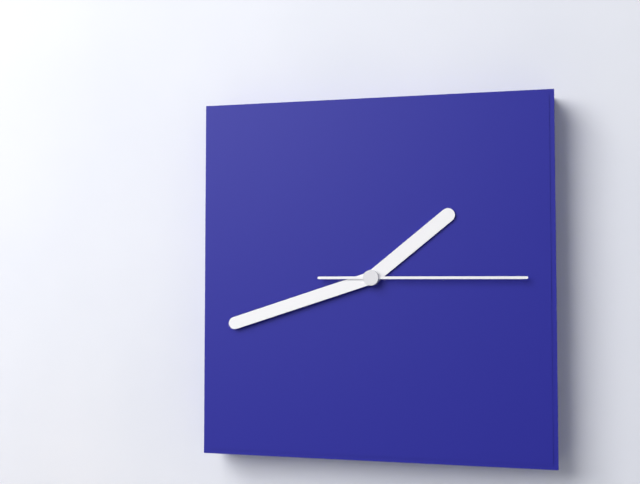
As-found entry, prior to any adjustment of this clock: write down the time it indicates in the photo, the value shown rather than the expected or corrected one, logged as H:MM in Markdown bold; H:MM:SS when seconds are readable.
**1:42:15**
